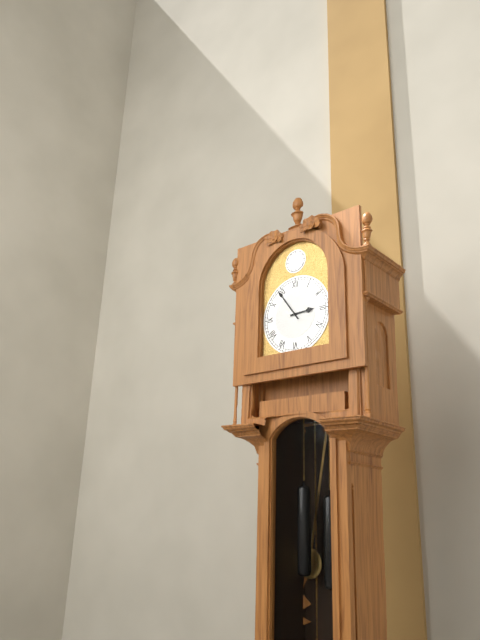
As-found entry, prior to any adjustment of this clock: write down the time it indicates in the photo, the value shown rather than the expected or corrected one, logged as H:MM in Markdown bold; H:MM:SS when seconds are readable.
**2:54**
